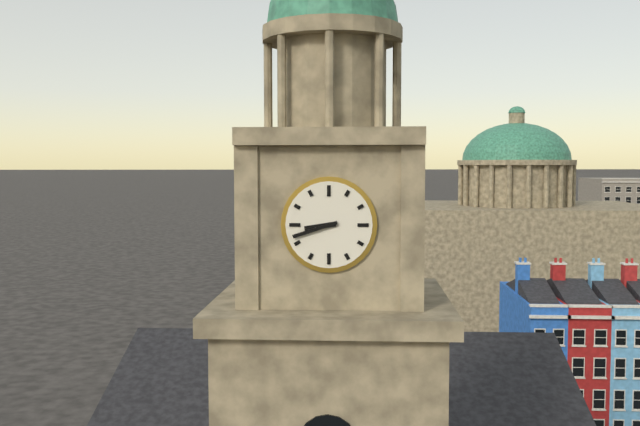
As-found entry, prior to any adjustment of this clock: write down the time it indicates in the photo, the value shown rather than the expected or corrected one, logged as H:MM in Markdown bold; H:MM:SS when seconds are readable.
**8:42**
